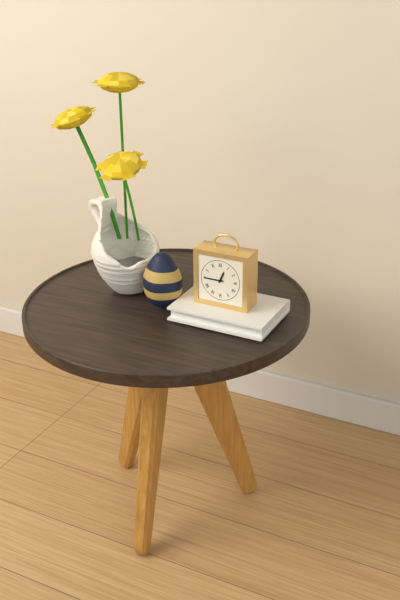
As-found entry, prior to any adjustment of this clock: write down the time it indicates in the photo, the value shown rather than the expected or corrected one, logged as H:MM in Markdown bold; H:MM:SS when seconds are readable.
**12:45**
